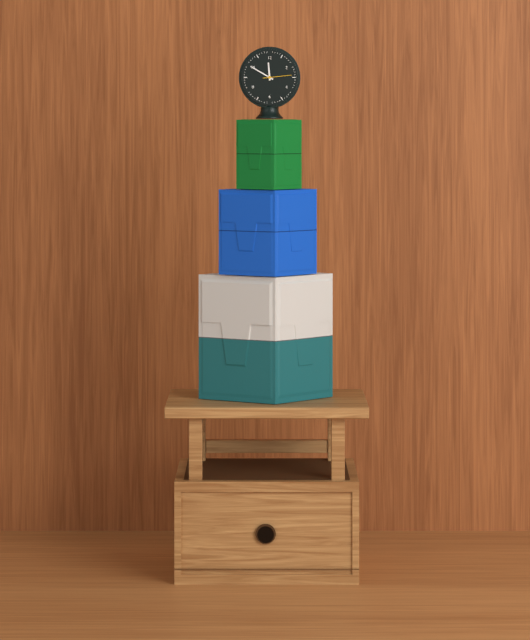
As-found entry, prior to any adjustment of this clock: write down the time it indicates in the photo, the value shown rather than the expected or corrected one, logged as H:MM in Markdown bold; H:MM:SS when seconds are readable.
**11:50**
